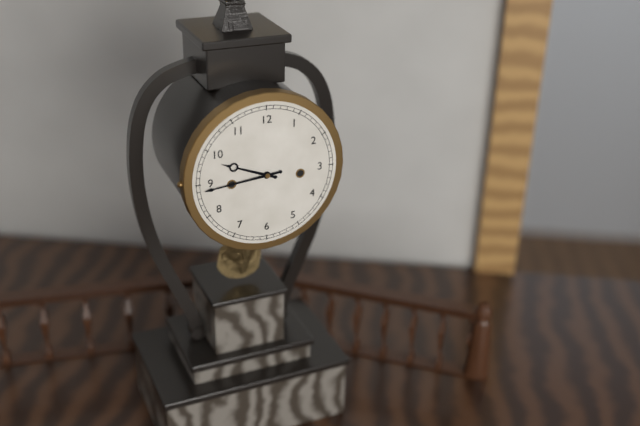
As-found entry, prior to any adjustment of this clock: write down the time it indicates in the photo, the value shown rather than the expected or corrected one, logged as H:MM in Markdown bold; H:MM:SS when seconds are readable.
**9:44**
